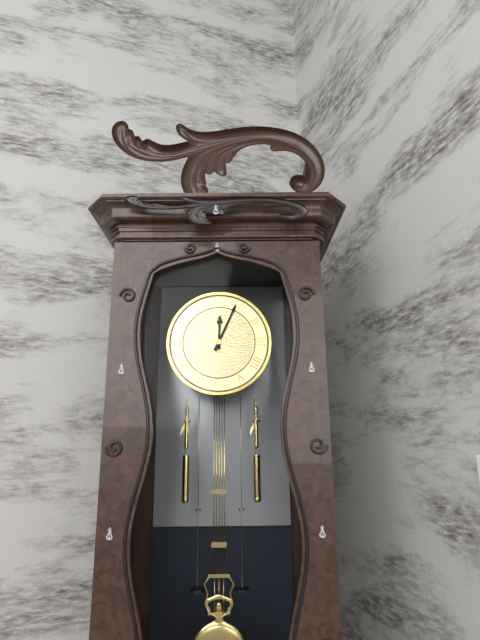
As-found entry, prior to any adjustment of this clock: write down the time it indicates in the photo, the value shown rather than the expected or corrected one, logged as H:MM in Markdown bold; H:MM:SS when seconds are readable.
**12:04**
